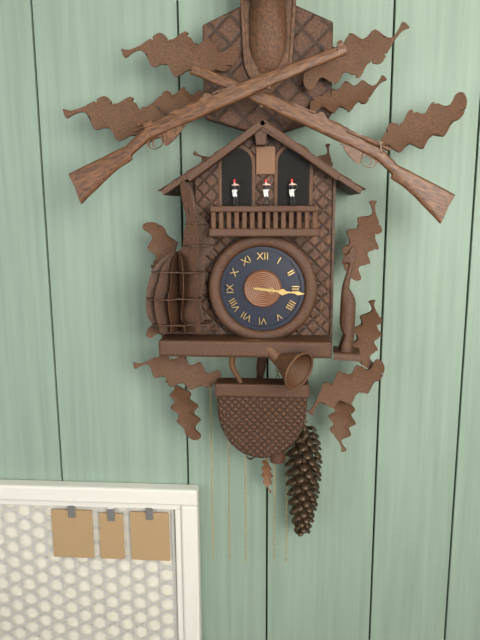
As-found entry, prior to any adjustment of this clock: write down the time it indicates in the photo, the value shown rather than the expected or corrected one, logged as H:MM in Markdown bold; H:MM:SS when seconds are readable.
**3:16**
